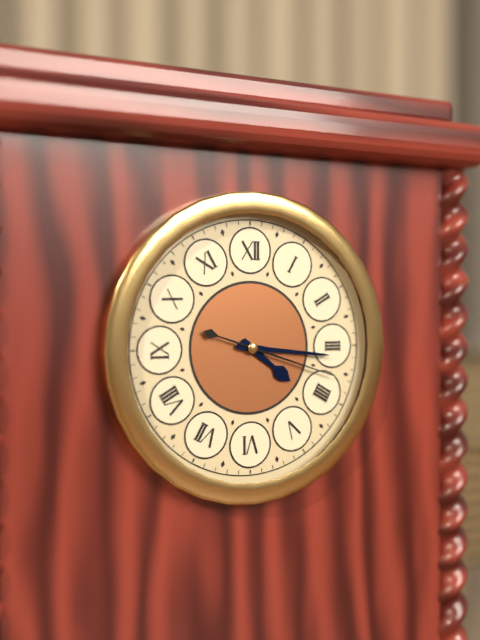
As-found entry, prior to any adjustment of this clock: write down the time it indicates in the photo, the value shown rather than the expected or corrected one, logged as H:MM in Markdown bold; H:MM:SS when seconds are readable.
**4:16:18**
